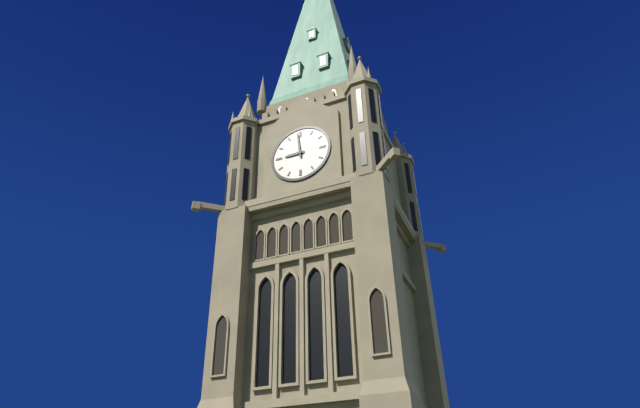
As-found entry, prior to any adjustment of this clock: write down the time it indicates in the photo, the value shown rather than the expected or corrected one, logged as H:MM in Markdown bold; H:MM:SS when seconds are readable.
**8:59**
